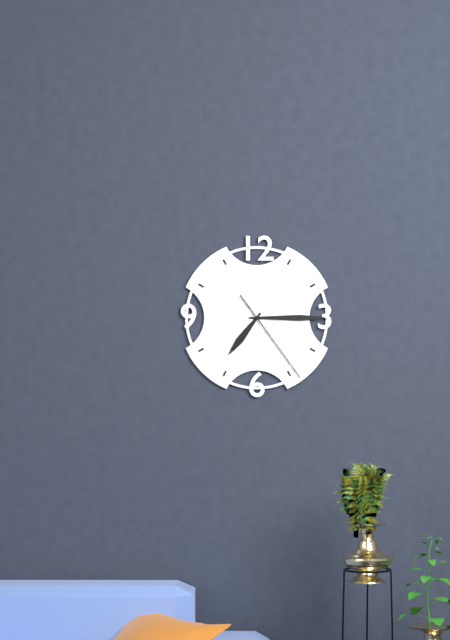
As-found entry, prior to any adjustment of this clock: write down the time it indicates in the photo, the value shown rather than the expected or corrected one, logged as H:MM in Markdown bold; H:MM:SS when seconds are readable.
**7:15:24**
